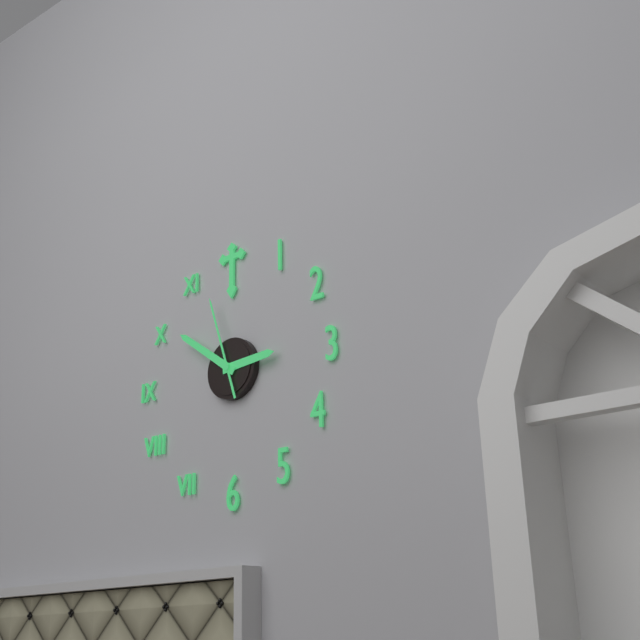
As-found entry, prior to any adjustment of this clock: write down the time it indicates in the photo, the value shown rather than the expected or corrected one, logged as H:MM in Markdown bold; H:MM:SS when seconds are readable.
**2:51:57**
